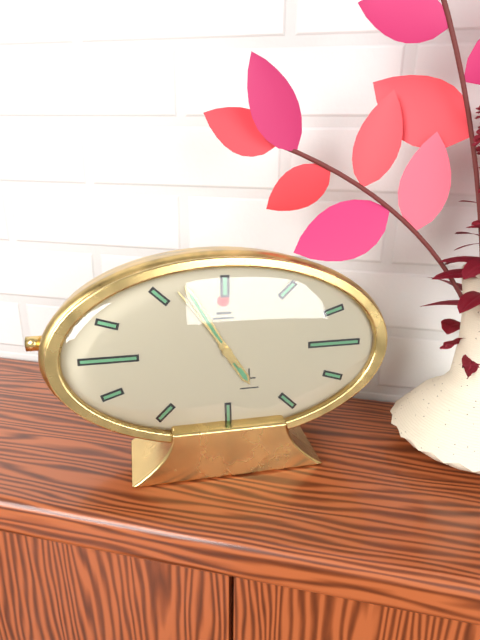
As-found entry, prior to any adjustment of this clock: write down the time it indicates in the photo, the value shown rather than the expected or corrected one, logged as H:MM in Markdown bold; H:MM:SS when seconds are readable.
**4:55:54**
